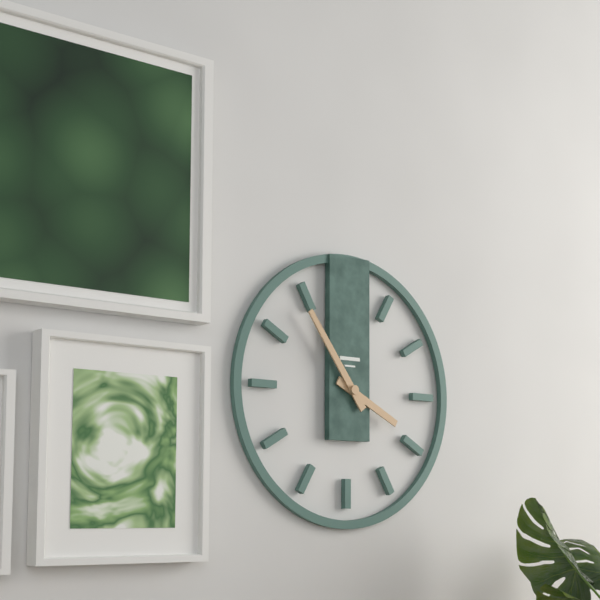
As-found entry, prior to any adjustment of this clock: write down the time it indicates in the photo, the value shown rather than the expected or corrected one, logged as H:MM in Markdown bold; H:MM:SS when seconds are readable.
**3:54**
